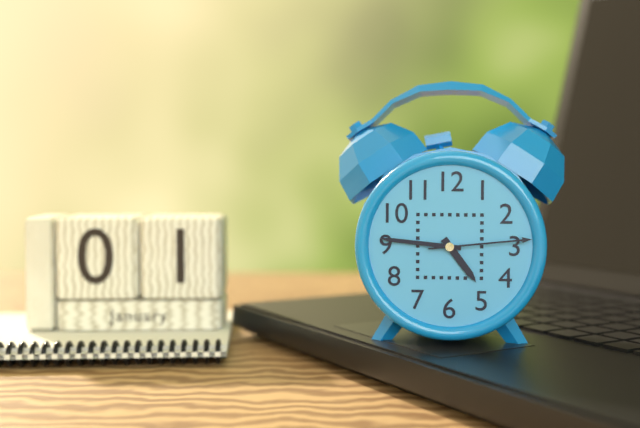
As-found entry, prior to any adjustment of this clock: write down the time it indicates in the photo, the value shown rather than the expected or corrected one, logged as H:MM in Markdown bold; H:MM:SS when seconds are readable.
**4:46:14**
